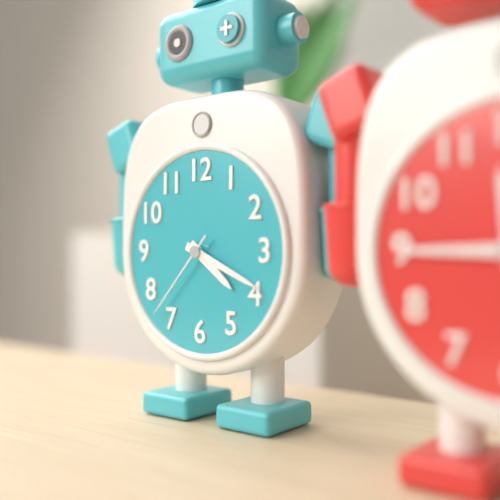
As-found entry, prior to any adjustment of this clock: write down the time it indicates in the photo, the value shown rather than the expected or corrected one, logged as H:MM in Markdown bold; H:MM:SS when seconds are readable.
**4:19:37**
